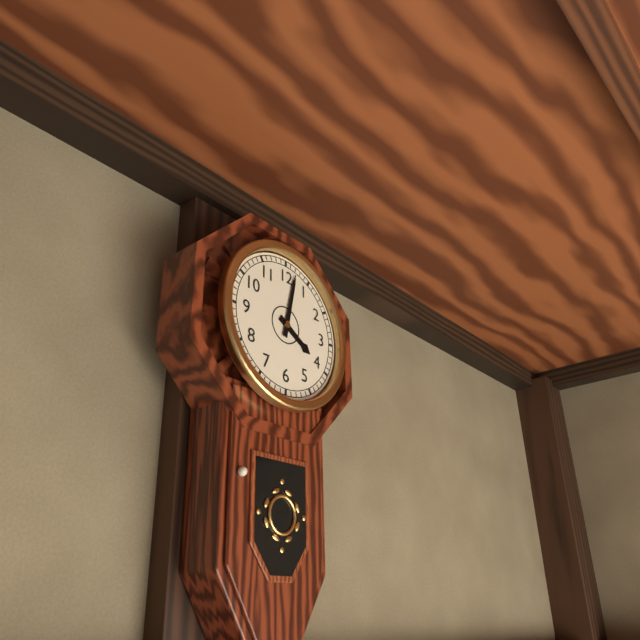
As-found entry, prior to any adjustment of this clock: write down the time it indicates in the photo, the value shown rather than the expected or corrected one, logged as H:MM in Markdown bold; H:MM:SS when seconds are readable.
**4:02**
